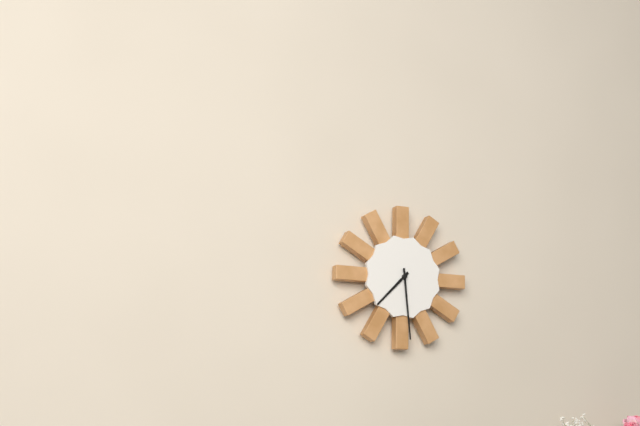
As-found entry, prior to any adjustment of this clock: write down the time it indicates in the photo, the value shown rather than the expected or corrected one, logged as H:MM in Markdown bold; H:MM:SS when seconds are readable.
**7:29**
